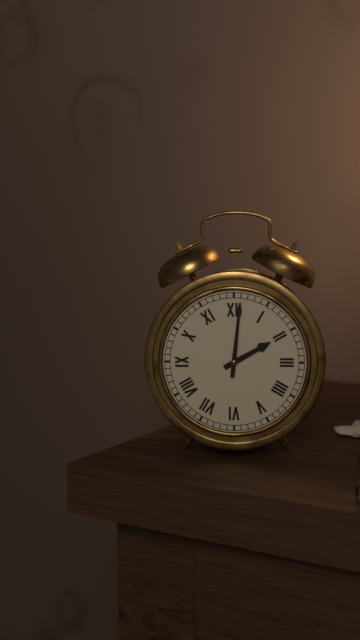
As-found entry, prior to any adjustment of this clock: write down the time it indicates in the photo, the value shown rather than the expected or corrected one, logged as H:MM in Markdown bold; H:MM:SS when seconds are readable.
**2:01**
